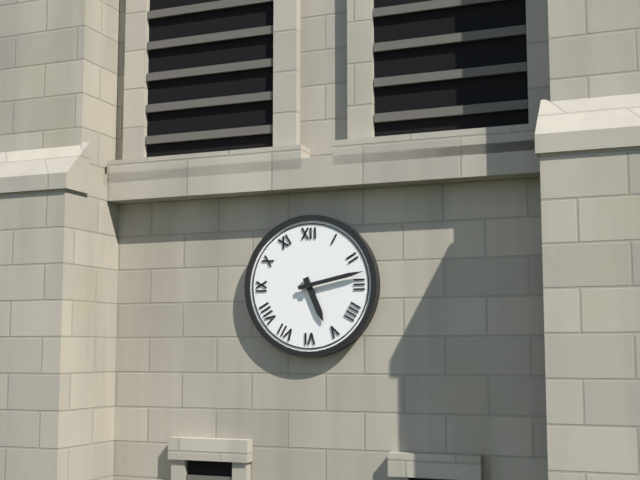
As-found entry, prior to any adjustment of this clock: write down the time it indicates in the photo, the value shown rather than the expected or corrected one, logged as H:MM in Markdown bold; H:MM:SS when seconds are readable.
**5:13**
